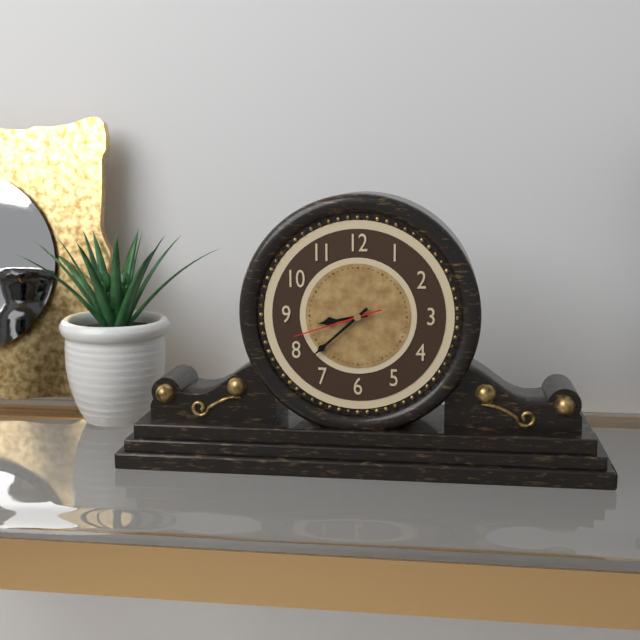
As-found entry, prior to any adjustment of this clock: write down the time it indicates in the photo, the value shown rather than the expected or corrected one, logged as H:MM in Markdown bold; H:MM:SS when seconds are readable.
**8:38:42**
